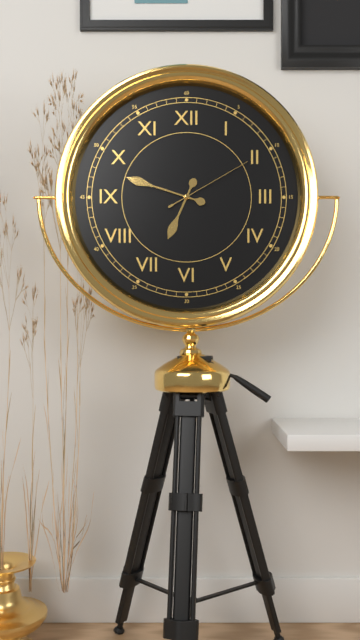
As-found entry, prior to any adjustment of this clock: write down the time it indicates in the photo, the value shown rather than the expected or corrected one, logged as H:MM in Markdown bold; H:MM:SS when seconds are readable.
**6:48:10**
